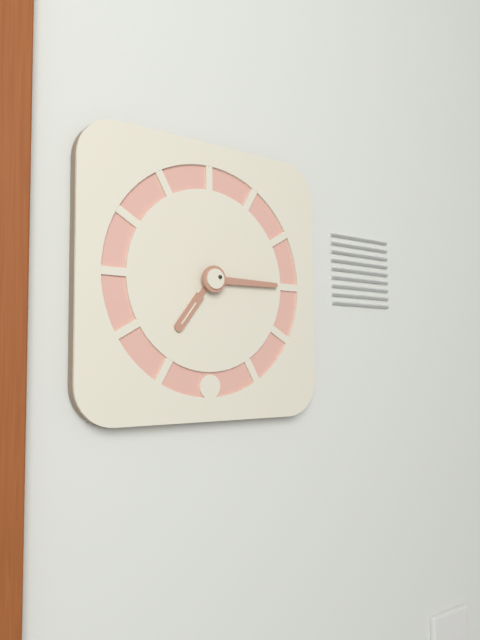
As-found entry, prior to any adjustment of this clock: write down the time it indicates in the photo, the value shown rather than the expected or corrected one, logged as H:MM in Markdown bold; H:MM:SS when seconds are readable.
**7:15**
